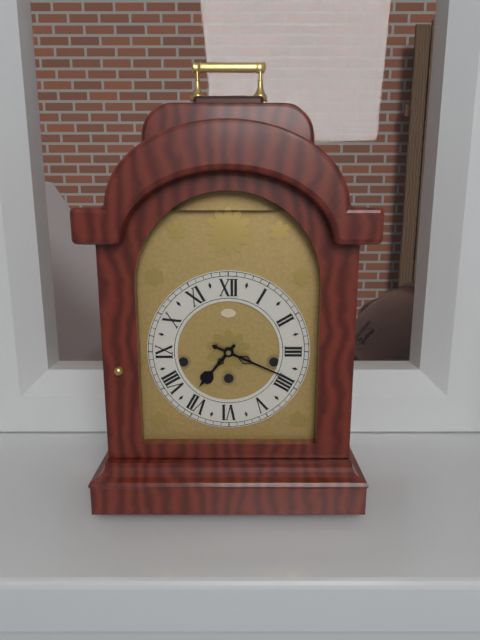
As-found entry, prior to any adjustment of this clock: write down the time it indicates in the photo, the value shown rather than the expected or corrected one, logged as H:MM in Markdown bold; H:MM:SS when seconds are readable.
**7:19**
